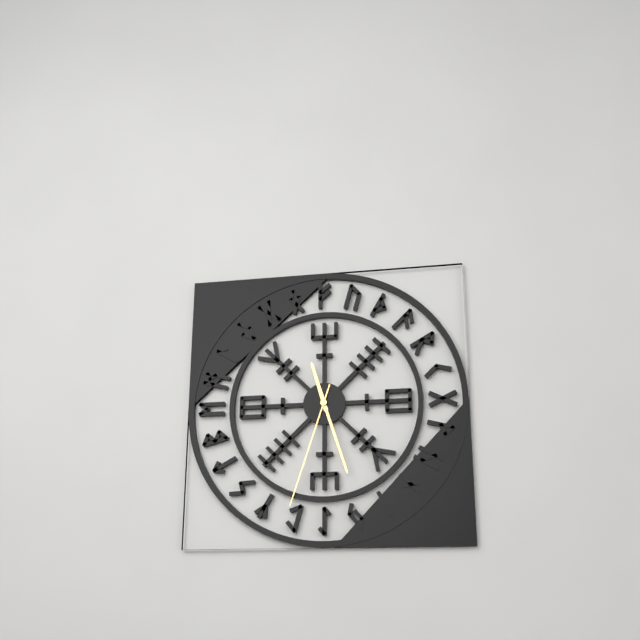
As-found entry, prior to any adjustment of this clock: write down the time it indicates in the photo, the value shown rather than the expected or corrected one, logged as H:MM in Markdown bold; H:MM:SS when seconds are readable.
**11:27:33**
